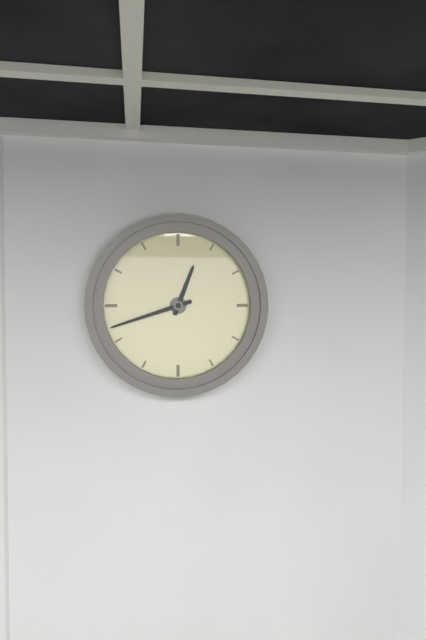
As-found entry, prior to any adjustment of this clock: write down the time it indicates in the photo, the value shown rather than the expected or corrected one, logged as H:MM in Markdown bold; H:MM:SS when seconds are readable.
**12:42**
